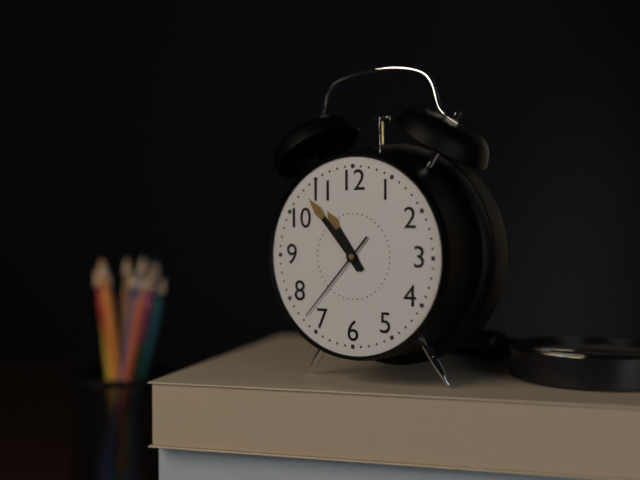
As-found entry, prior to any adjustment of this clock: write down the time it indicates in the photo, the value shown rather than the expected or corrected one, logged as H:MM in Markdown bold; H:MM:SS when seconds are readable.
**10:53:37**
